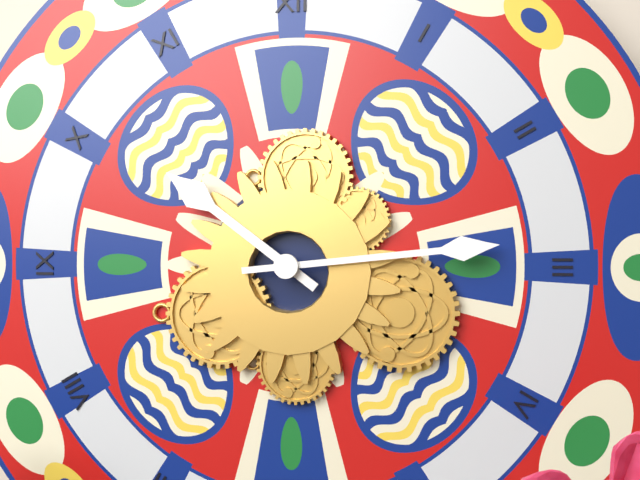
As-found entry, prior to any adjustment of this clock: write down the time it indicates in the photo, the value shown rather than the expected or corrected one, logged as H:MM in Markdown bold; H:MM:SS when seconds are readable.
**10:14**
